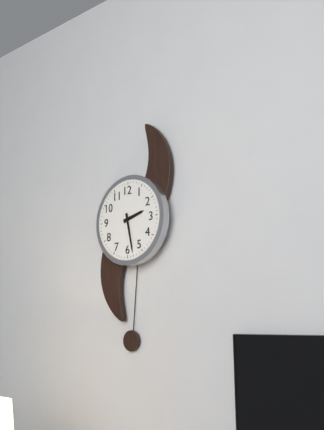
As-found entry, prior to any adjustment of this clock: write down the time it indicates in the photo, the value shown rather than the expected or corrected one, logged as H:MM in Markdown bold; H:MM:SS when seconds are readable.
**2:28**
